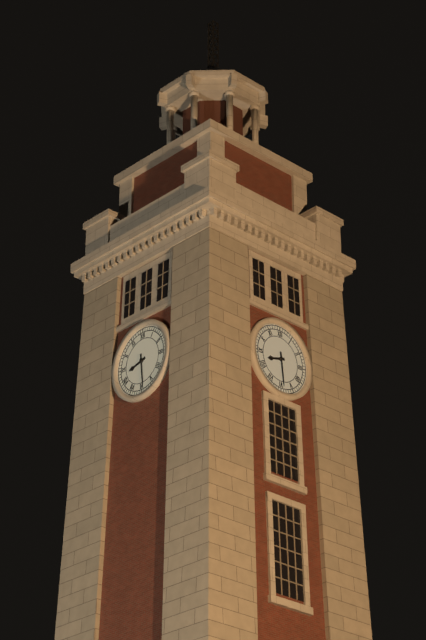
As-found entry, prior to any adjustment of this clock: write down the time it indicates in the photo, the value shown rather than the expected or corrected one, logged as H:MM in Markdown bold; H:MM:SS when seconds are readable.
**8:29**
